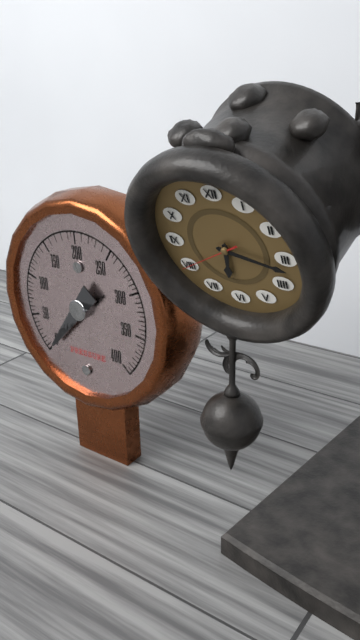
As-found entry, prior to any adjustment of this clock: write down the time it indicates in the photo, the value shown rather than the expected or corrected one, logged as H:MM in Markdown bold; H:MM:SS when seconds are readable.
**6:17:40**
